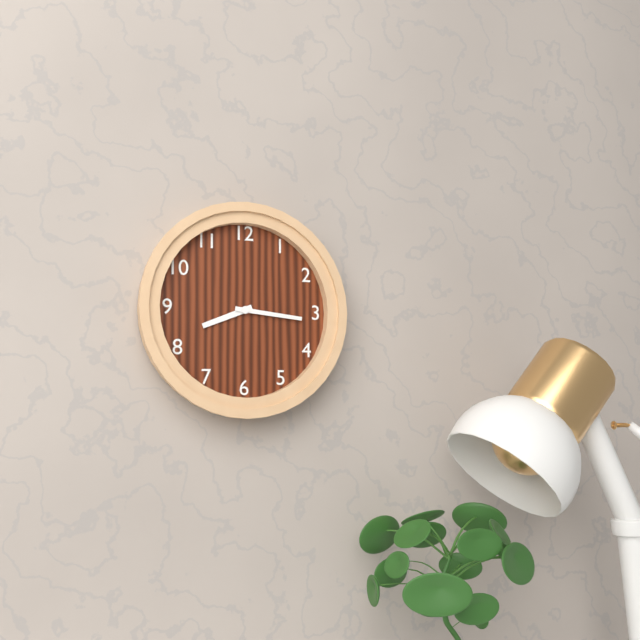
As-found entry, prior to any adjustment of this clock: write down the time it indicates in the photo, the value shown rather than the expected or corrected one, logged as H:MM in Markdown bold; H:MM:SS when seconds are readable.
**8:16**
